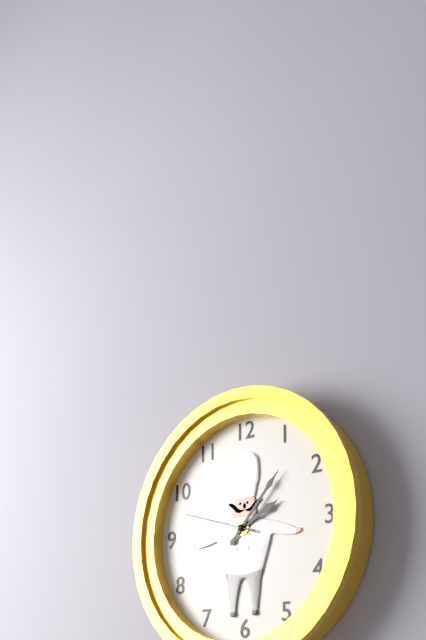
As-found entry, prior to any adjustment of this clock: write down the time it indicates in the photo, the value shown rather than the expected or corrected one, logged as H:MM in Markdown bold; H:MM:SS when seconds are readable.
**2:07:48**
